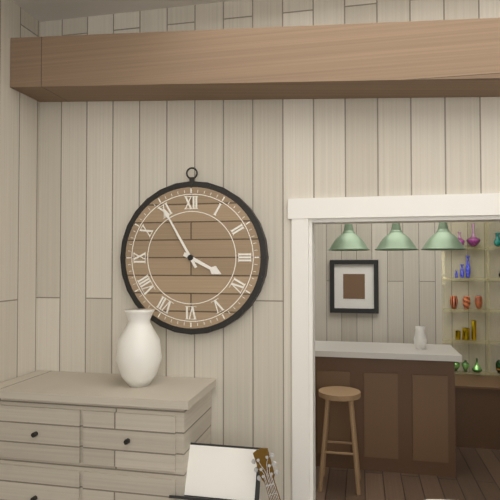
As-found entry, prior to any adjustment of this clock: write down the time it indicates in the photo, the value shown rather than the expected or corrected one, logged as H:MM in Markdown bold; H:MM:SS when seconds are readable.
**3:55**
